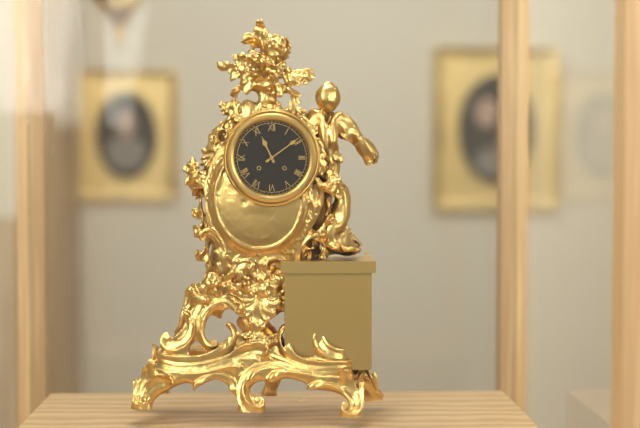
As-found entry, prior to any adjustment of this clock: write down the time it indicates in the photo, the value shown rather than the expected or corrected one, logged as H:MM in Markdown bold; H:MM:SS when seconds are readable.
**11:09**
